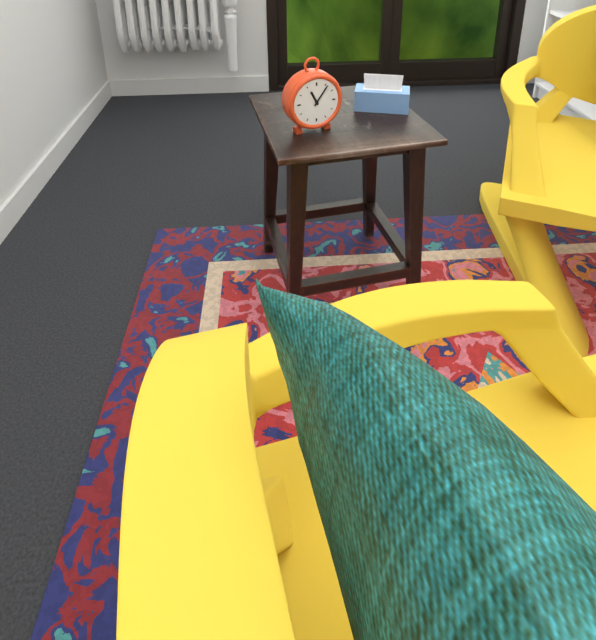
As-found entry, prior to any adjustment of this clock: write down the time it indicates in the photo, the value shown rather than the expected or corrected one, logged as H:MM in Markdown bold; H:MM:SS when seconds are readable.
**11:06**
